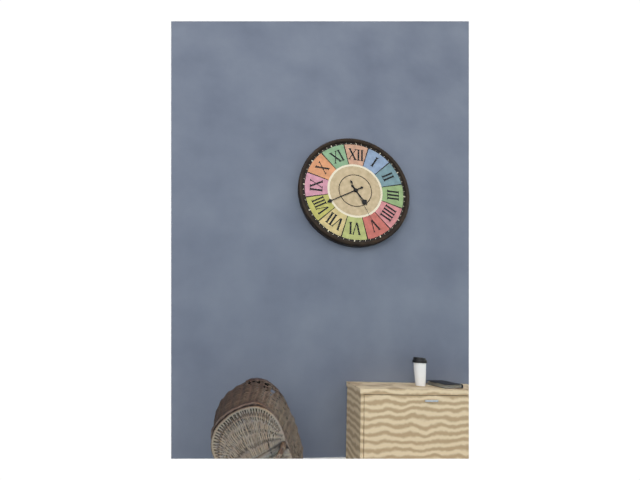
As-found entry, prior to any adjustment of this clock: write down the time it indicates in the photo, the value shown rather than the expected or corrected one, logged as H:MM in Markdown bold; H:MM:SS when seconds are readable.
**4:40**
